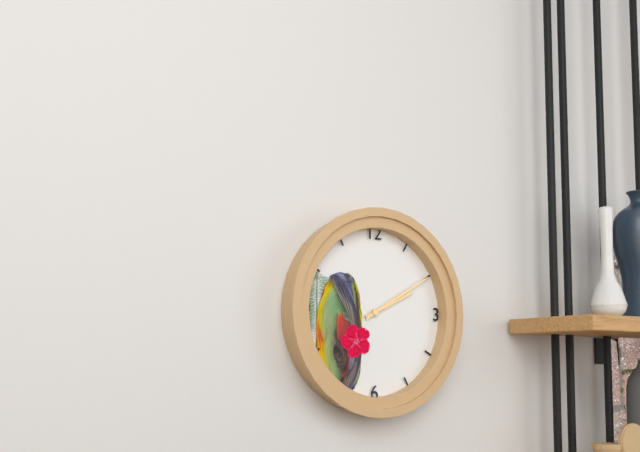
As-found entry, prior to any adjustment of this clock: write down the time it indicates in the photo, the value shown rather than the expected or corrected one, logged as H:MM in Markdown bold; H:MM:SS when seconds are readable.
**2:10**
